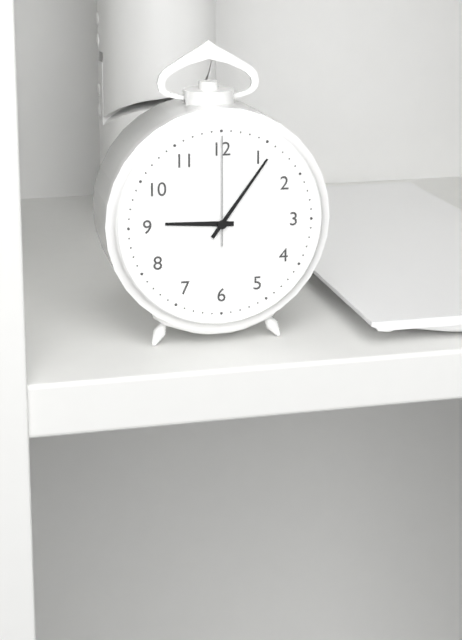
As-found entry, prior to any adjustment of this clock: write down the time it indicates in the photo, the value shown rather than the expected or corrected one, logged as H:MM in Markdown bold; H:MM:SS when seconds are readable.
**9:06:00**
